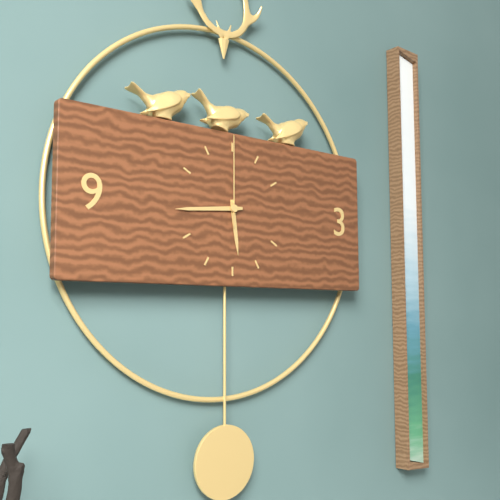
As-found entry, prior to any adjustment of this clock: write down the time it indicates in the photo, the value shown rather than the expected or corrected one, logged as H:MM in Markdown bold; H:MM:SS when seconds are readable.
**5:44:00**
